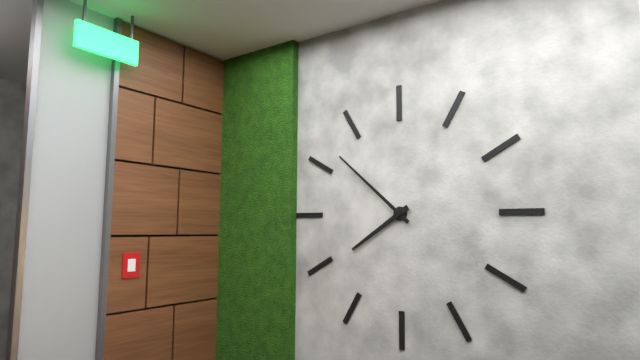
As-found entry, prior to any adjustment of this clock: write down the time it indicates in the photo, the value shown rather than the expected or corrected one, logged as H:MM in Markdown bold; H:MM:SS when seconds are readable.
**7:52**
